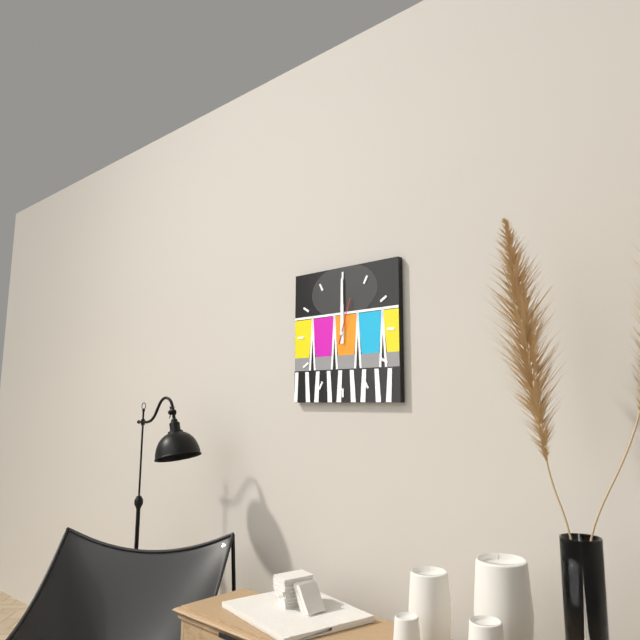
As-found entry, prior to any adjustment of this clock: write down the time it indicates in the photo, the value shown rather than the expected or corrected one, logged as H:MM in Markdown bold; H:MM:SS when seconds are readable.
**12:00**
